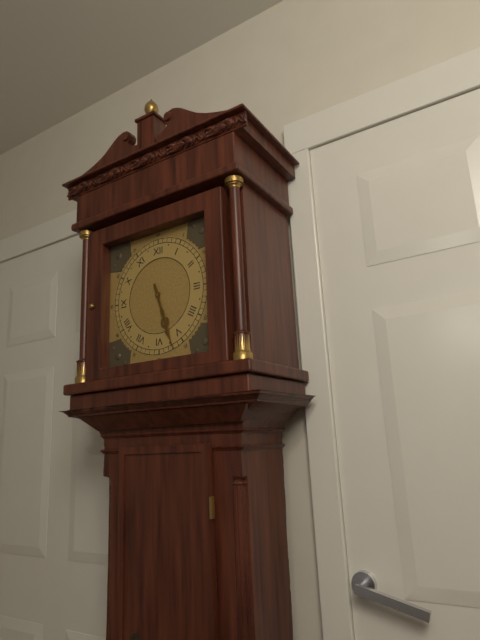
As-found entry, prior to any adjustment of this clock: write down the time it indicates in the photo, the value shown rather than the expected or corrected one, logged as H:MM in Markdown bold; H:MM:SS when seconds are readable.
**5:27**
